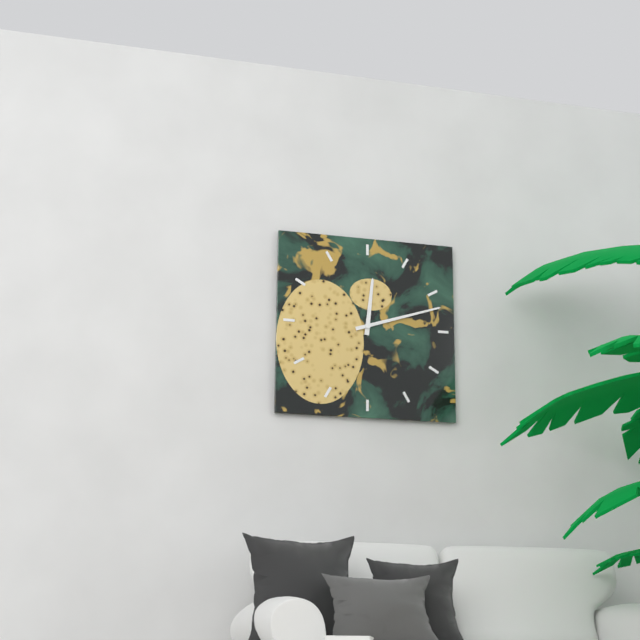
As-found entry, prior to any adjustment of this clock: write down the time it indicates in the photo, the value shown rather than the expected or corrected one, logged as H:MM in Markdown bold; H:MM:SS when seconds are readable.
**12:12**
